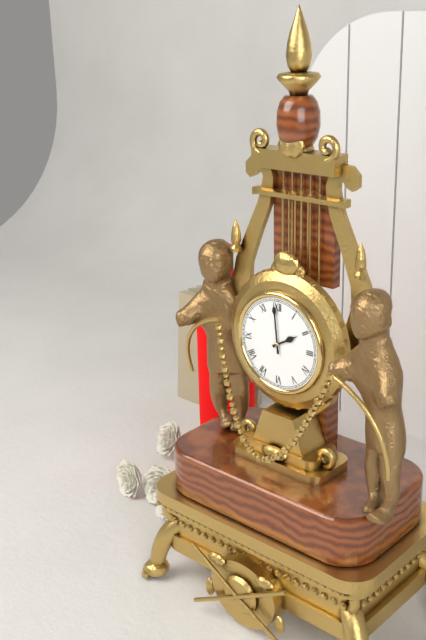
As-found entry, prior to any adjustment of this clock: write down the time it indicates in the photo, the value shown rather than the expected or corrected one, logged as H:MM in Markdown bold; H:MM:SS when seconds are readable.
**1:59**
